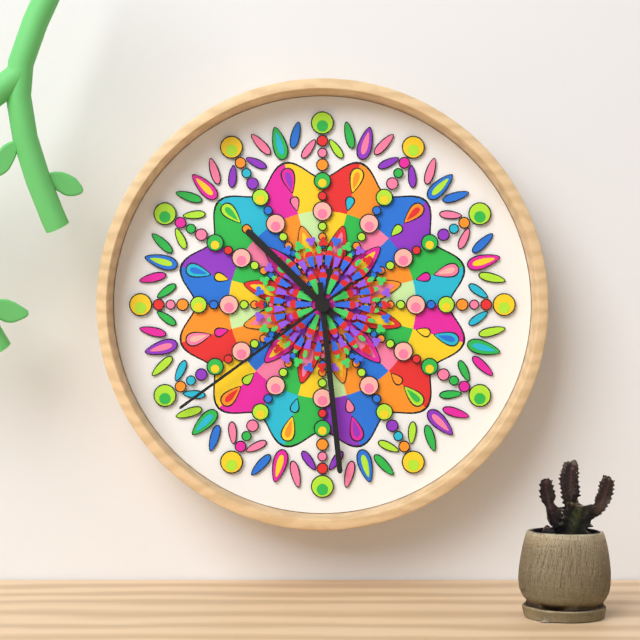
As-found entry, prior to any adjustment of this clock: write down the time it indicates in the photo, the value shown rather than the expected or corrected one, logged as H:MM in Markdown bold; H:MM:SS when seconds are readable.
**10:29:39**
